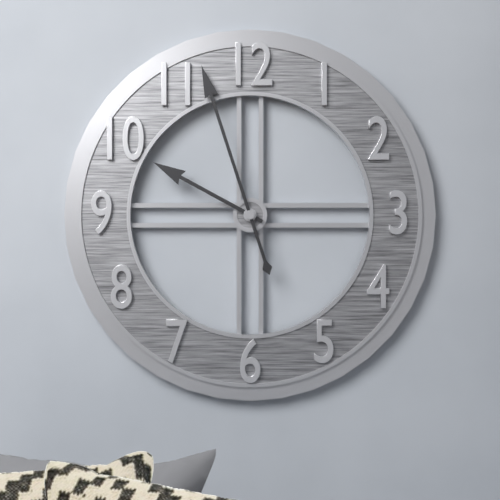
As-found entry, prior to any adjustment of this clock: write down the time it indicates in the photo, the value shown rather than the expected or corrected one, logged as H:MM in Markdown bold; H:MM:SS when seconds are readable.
**9:57**
